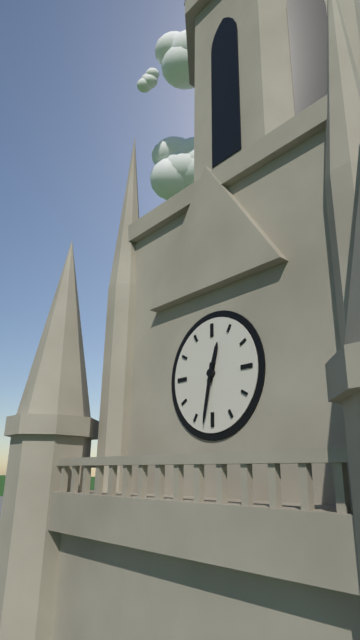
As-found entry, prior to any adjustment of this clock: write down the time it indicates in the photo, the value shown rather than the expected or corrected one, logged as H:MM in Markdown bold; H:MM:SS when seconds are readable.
**12:32**
